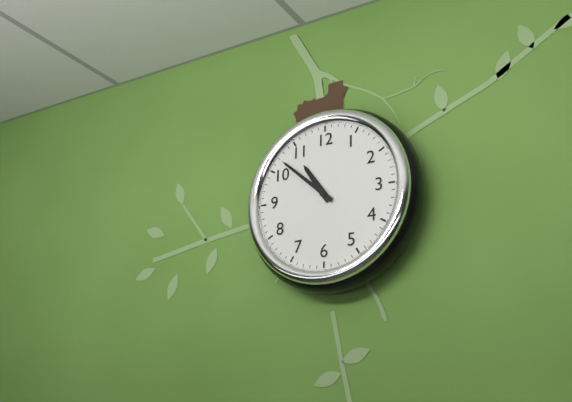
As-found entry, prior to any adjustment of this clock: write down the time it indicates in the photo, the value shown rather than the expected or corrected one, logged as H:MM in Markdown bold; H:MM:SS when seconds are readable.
**10:52**
